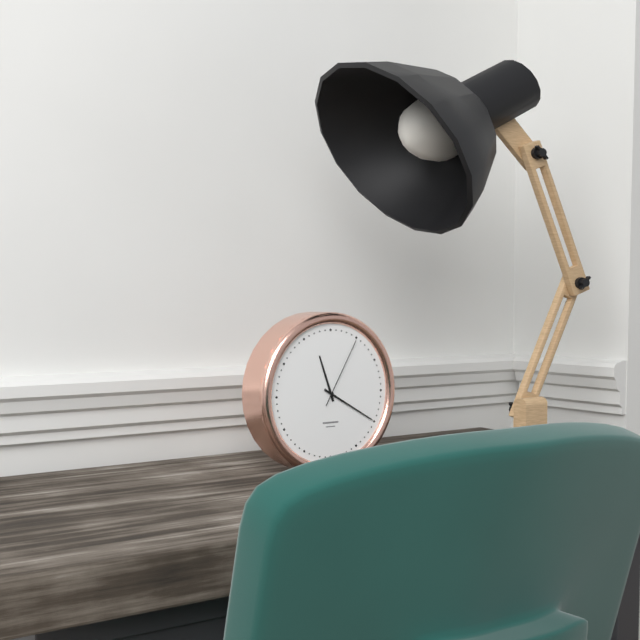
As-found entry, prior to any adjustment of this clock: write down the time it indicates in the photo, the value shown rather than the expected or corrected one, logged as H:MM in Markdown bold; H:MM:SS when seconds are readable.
**11:20:05**
